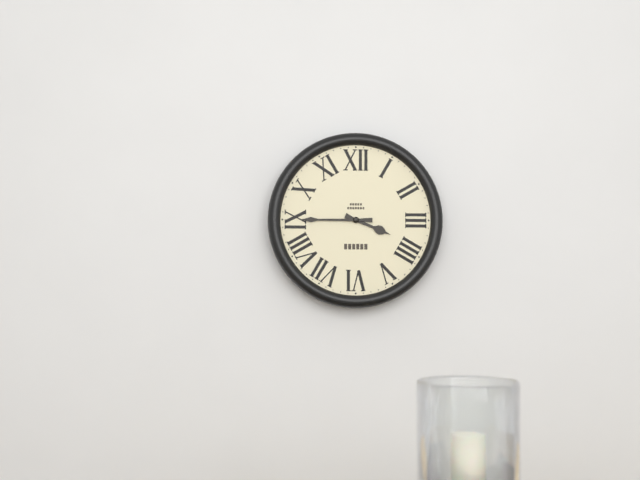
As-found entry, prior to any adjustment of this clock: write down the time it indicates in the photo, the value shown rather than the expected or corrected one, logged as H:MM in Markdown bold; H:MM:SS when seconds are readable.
**3:45**
